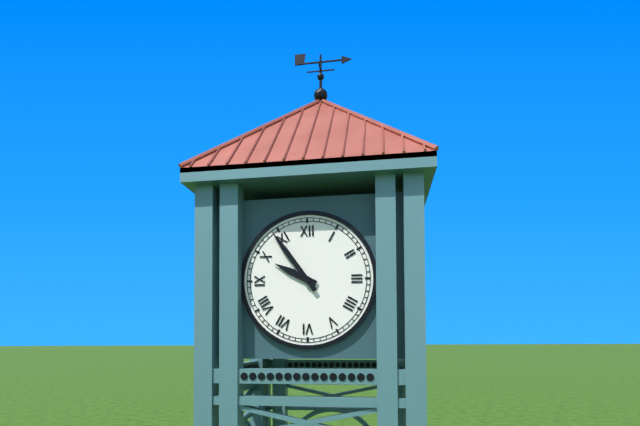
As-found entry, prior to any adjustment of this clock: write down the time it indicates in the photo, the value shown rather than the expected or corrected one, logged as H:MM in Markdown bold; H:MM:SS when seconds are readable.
**9:54**
